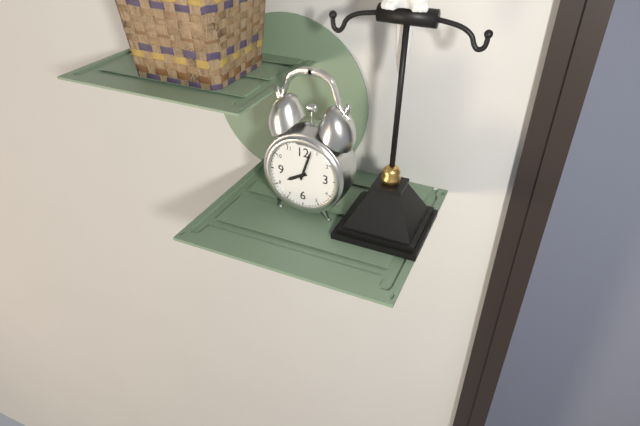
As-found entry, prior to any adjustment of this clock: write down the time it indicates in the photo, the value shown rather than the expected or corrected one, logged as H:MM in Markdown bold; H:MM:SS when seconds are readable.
**8:03**
